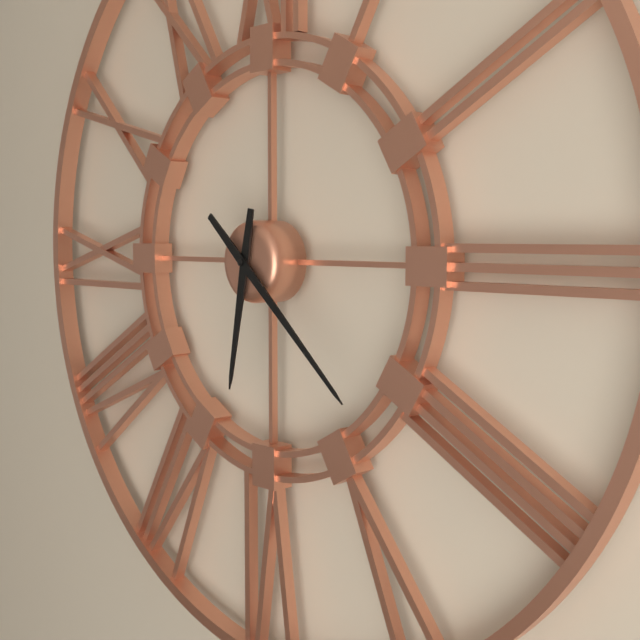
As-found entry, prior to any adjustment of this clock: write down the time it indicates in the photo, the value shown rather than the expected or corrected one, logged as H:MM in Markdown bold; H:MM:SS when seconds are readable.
**6:22**
